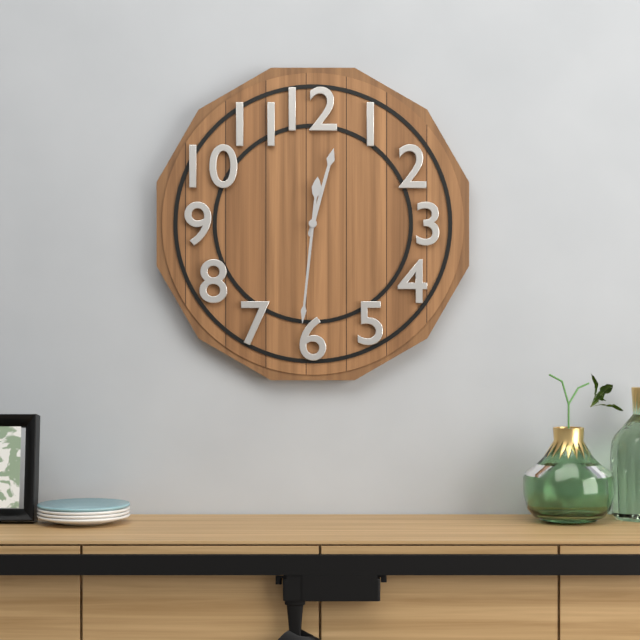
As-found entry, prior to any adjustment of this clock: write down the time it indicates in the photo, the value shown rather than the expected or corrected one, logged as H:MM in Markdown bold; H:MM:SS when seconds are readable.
**12:31**
